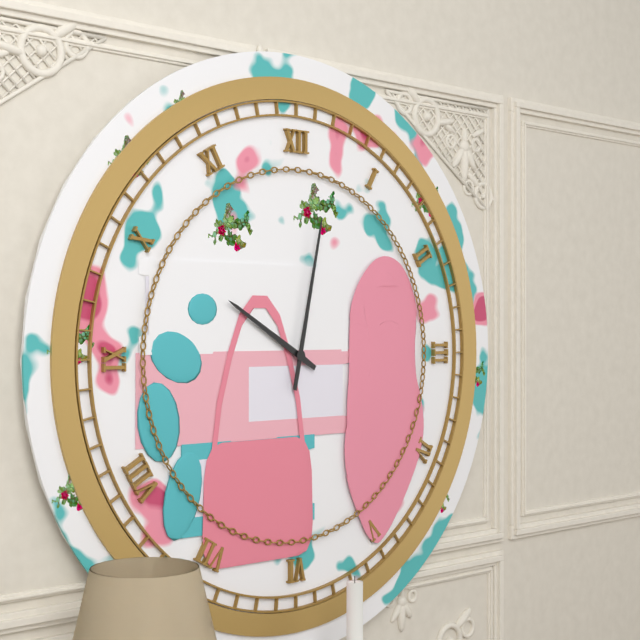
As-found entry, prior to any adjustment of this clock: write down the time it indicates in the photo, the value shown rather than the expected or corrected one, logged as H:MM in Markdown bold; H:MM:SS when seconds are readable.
**10:02**
